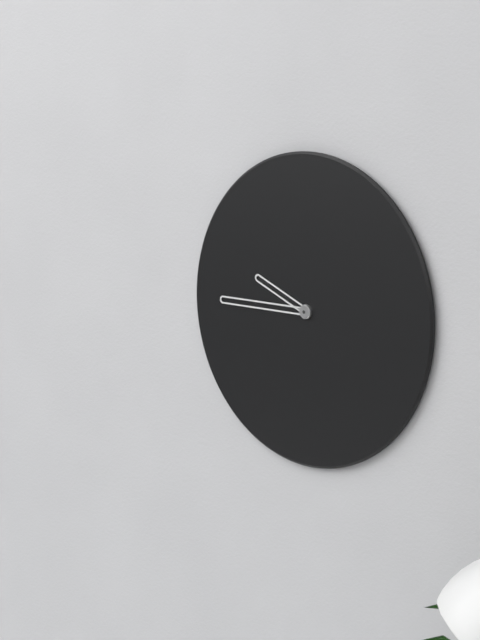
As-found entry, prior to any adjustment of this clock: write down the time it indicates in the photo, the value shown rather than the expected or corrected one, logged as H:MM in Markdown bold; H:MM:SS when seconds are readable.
**9:45**
